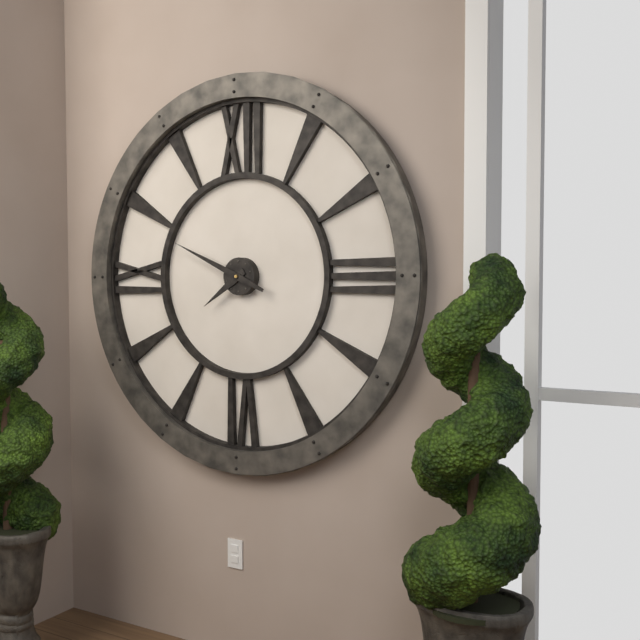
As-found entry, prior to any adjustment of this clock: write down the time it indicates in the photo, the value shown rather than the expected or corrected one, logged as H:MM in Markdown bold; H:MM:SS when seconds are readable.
**7:49**
